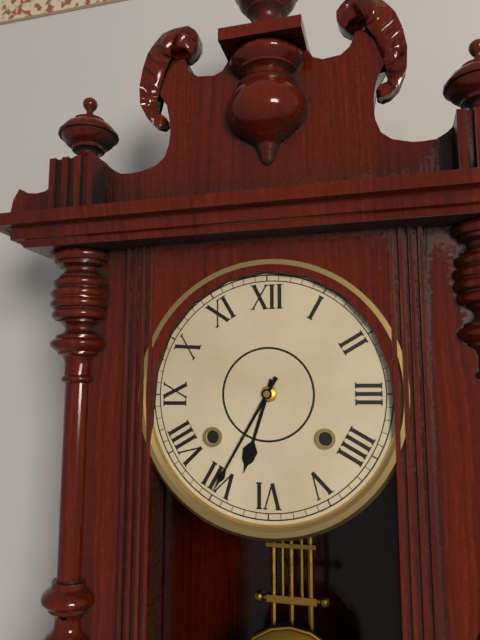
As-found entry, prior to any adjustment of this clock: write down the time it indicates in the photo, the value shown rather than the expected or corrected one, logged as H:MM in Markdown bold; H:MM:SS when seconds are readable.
**6:35**
